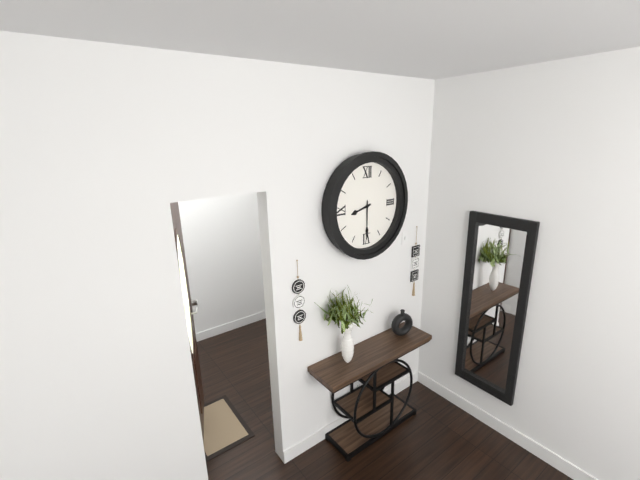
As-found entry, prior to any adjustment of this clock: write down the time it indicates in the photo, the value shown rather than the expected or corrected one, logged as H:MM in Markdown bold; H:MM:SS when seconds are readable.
**8:30**
